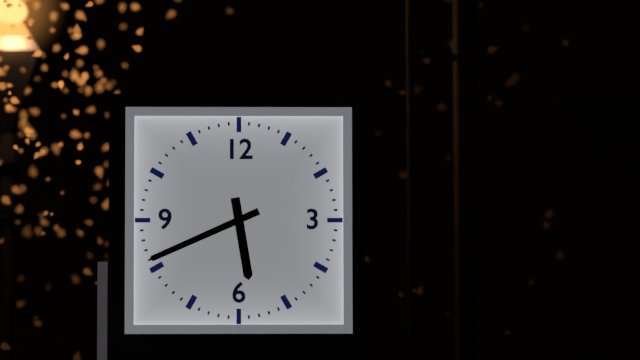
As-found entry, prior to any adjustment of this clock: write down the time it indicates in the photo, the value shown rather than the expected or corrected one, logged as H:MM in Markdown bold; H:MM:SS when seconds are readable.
**5:41**
